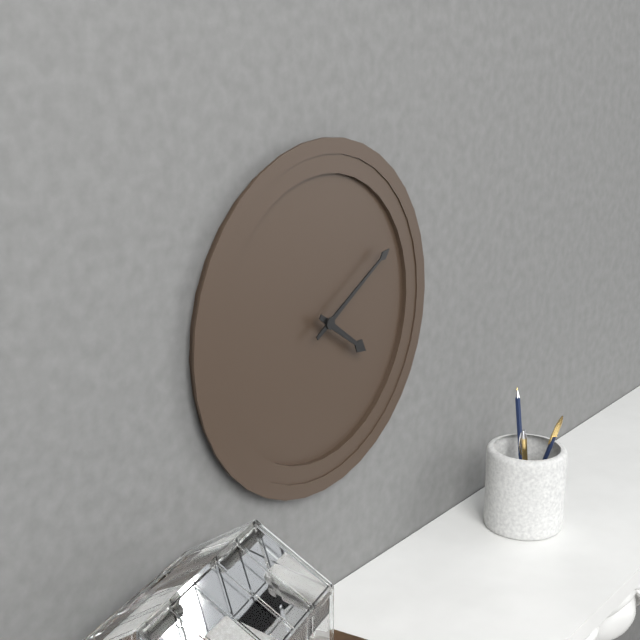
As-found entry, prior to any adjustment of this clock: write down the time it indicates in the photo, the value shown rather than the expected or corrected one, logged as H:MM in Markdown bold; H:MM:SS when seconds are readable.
**4:10**
